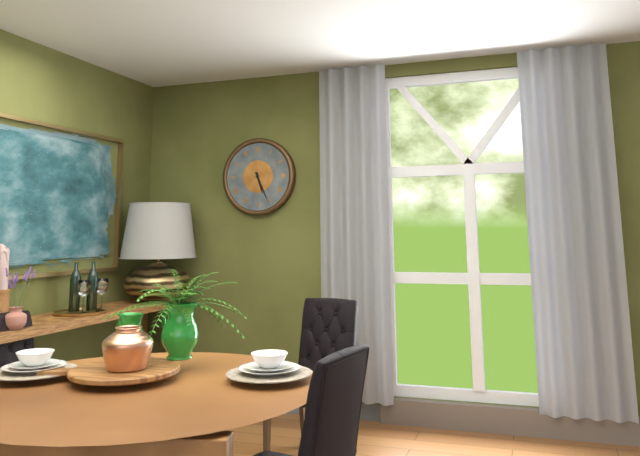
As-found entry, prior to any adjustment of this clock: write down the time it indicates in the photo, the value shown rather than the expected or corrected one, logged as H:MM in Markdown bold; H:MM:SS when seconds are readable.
**5:26**
